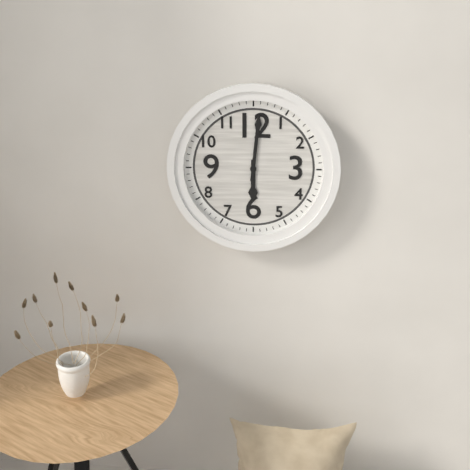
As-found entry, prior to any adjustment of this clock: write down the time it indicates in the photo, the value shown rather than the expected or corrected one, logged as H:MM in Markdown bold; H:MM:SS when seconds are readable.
**6:01**
